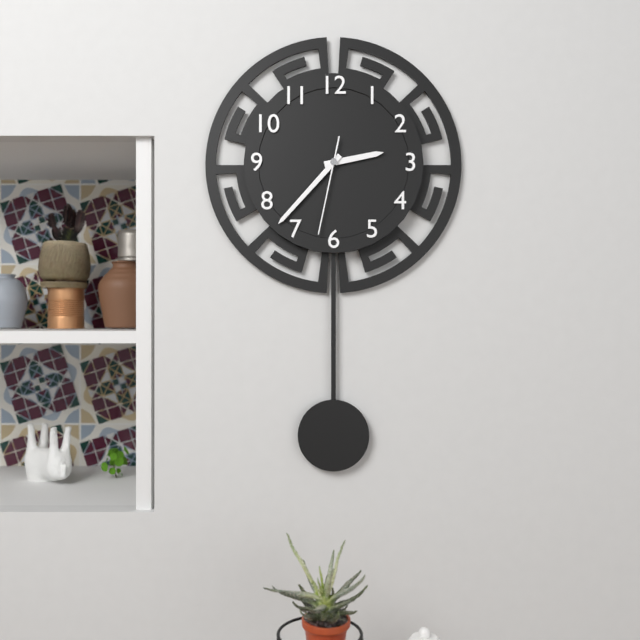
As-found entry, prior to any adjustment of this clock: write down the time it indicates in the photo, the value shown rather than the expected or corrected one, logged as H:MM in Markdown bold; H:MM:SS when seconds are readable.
**2:37:32**
